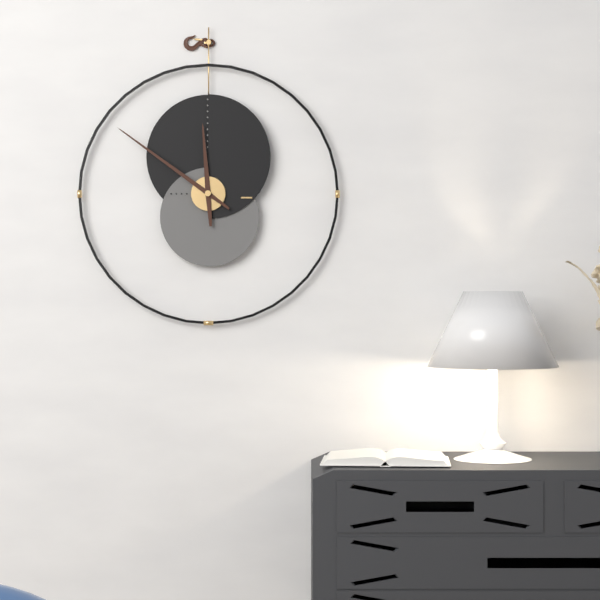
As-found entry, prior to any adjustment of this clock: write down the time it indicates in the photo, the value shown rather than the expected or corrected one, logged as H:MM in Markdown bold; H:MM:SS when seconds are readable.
**11:51**
